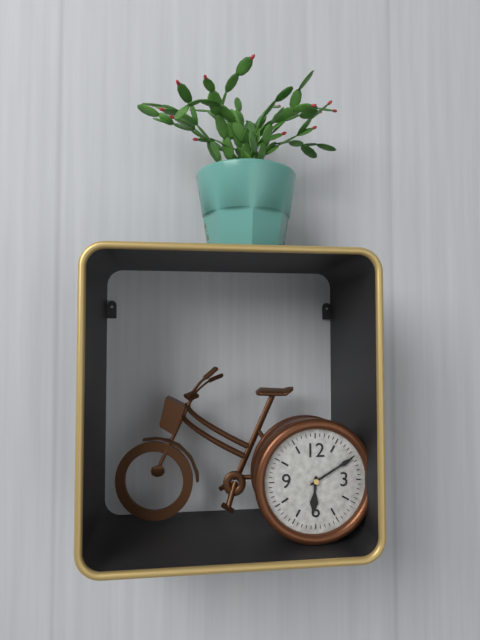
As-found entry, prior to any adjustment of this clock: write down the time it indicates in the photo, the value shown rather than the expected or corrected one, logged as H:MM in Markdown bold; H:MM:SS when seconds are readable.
**6:10**
